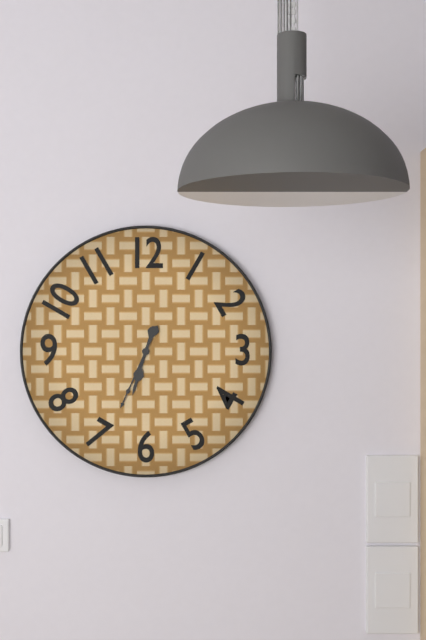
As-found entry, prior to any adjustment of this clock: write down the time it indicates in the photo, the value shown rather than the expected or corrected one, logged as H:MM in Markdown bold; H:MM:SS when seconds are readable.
**6:34**
